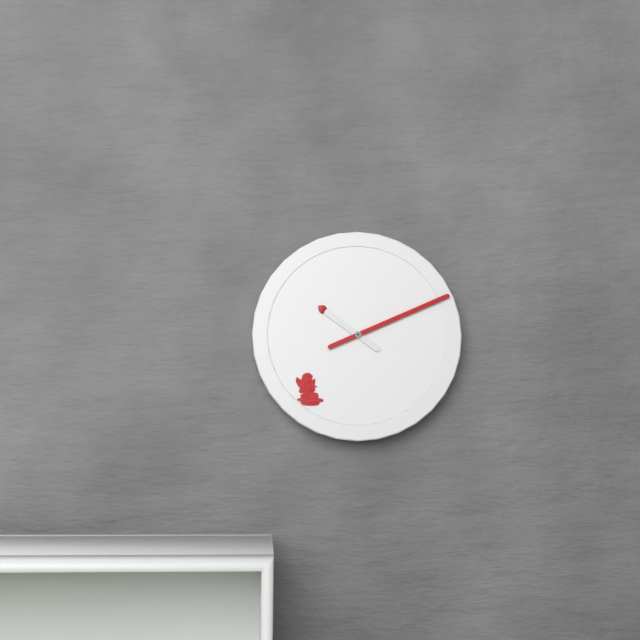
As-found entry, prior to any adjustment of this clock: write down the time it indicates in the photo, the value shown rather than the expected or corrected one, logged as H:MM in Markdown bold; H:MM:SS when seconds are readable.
**10:11**
